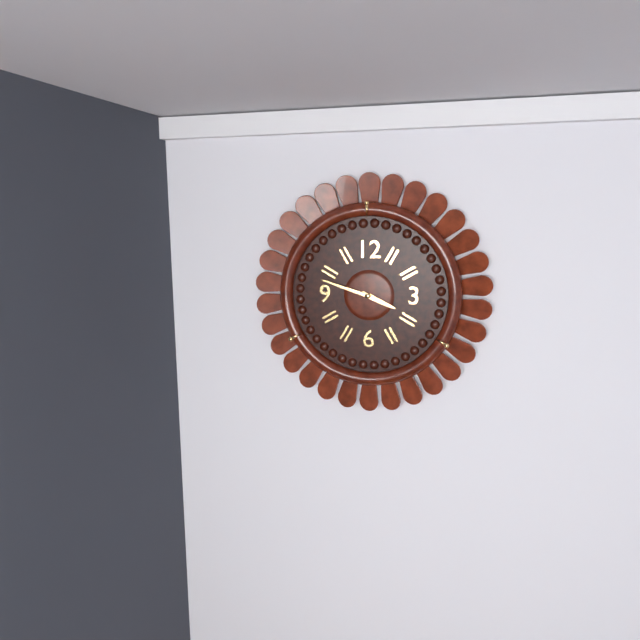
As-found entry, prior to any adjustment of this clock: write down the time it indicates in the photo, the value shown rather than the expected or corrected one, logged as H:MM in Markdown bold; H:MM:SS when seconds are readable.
**3:48**
